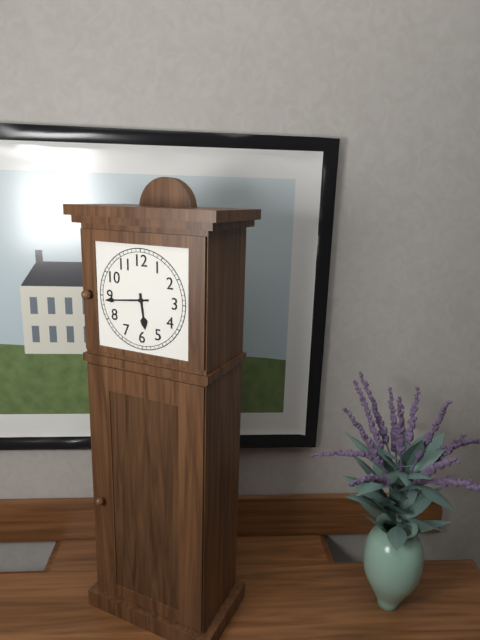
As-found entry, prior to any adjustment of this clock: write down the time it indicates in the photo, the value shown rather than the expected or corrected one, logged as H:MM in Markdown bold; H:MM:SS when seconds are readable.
**5:44**
